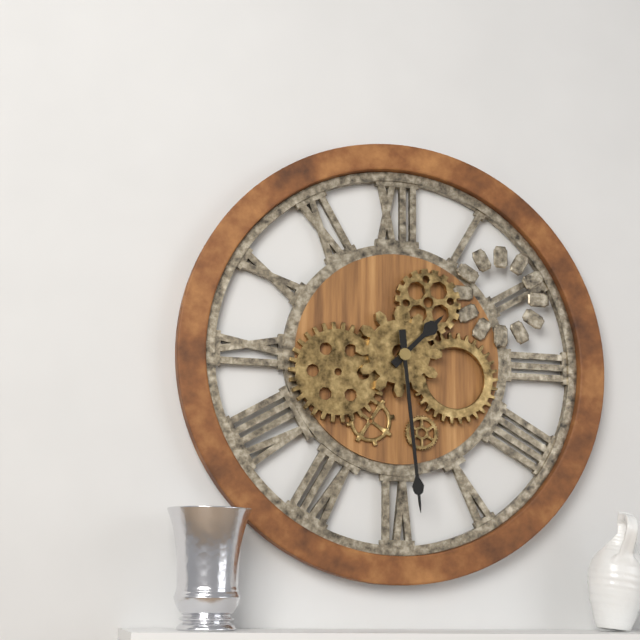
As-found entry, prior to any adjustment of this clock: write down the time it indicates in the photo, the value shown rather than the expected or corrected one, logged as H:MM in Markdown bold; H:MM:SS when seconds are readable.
**1:29**
